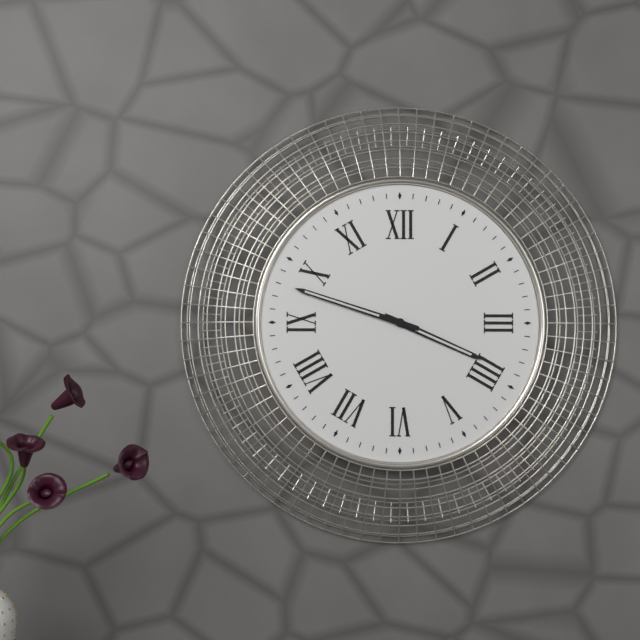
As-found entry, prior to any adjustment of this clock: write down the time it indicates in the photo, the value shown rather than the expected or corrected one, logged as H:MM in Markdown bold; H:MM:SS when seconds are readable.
**3:48**
